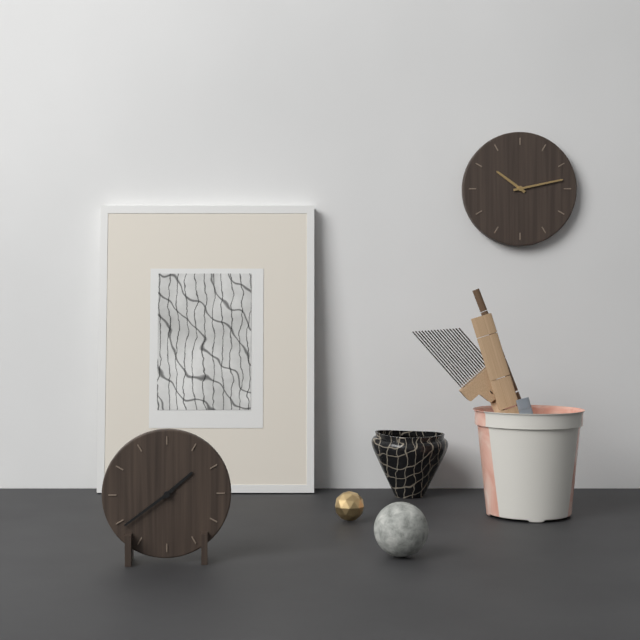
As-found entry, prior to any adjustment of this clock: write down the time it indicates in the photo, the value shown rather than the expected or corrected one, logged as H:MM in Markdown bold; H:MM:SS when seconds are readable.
**1:39**
